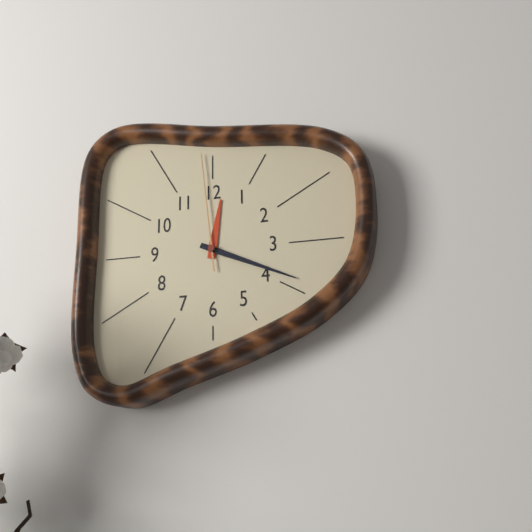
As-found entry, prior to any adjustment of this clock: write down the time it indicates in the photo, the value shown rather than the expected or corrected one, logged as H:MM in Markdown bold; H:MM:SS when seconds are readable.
**12:19:59**
